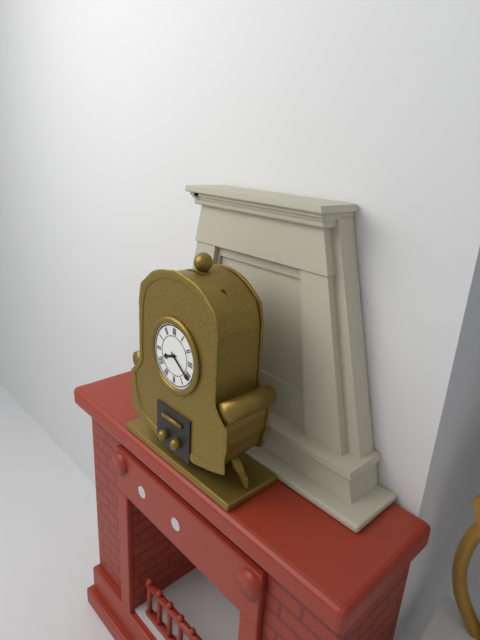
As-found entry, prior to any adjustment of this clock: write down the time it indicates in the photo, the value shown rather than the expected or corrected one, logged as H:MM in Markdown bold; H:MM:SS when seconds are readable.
**8:21**
